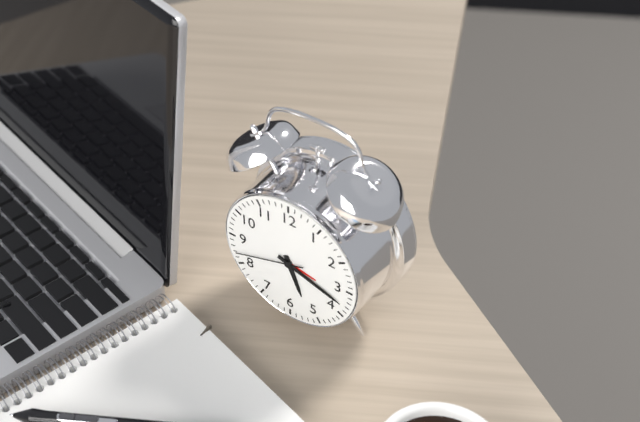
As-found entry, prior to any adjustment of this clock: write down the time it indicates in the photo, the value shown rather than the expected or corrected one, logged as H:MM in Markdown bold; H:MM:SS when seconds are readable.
**5:18:42**
